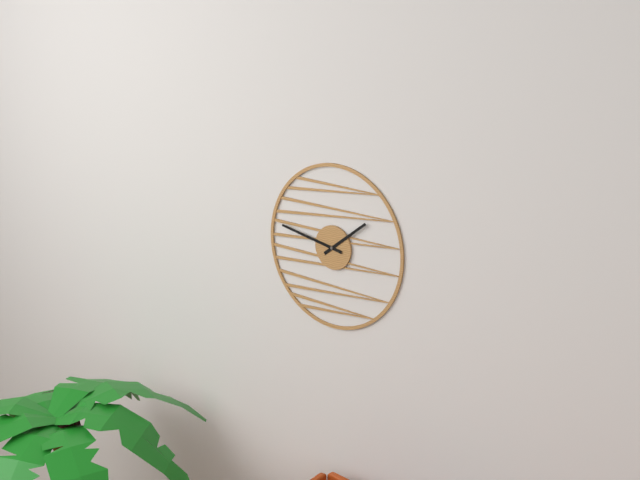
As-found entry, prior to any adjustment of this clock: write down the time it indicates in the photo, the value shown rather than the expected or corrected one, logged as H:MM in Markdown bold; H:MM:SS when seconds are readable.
**1:47**
